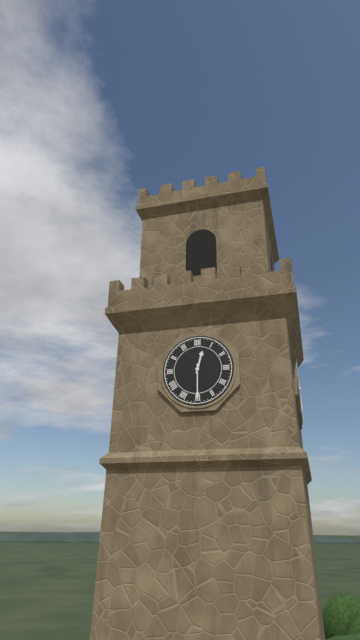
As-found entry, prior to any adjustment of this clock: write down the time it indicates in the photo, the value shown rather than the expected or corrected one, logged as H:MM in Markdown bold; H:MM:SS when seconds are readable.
**12:30**
